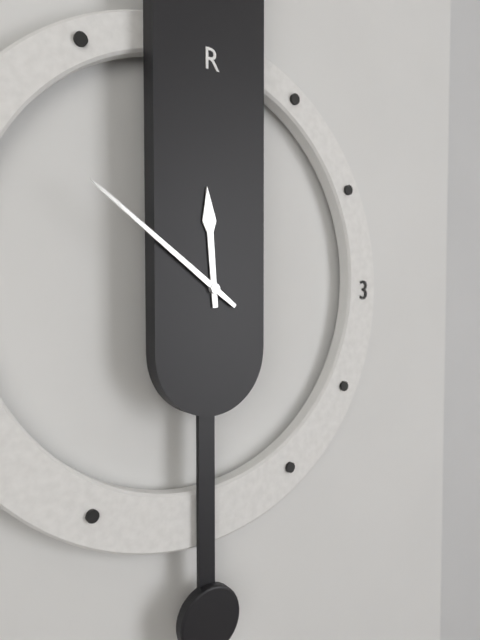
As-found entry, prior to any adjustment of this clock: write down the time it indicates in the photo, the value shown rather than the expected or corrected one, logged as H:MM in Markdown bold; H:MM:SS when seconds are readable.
**11:51**
